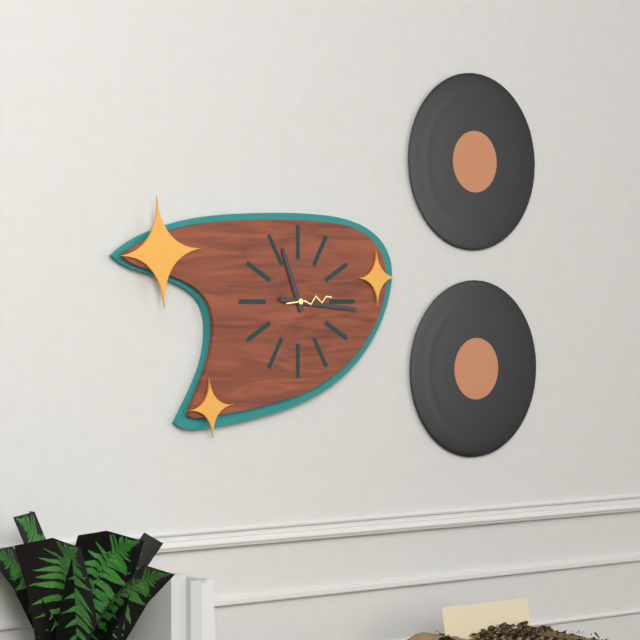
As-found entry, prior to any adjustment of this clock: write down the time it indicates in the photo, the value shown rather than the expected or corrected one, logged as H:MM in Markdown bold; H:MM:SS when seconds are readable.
**11:16:14**
